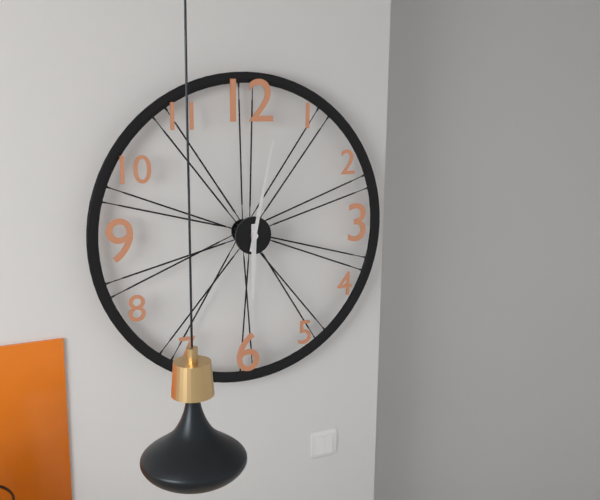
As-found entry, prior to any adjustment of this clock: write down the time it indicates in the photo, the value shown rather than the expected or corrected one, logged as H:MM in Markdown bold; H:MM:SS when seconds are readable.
**6:02**
